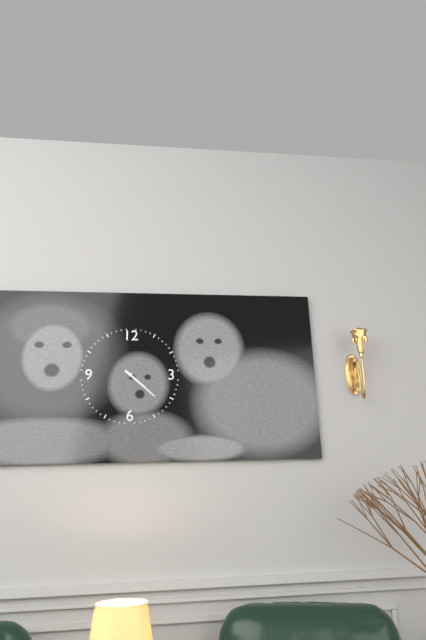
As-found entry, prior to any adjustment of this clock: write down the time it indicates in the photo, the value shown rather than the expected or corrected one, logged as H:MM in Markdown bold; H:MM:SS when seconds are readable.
**4:22**
